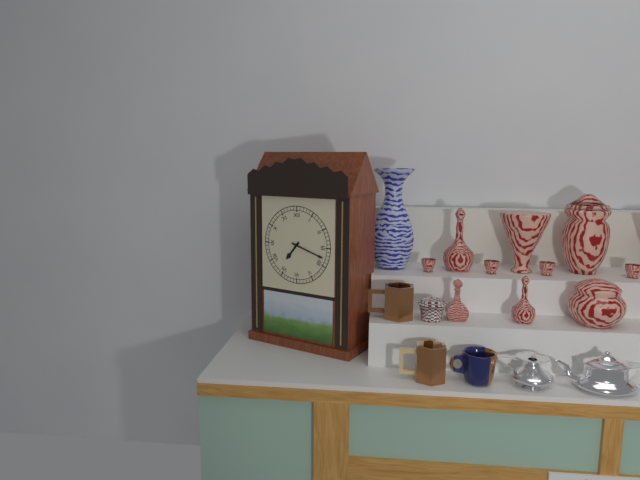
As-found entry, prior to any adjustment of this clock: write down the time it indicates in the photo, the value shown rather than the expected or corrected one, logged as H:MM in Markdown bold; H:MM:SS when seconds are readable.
**7:18**
